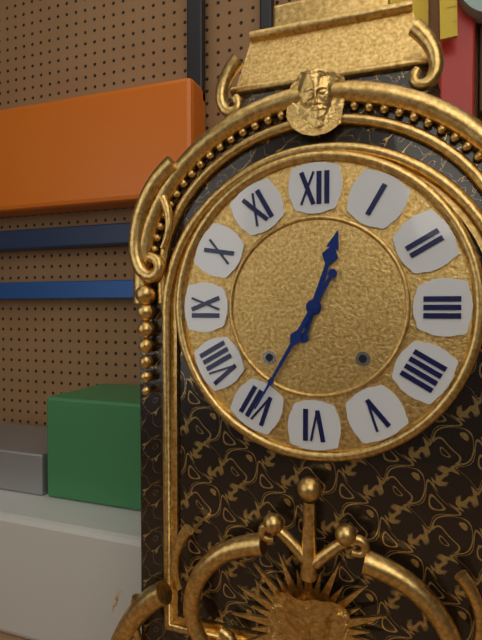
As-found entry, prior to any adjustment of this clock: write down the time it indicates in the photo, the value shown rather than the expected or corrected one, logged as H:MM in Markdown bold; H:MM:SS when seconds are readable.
**12:35**
